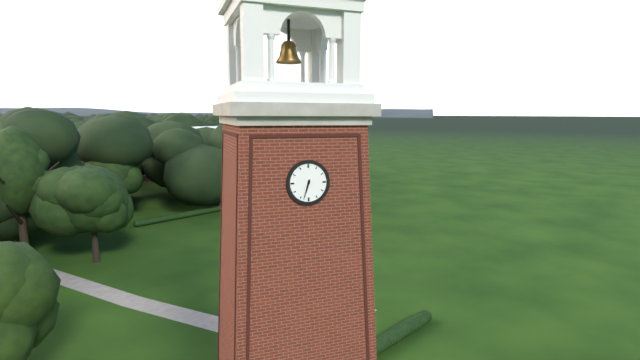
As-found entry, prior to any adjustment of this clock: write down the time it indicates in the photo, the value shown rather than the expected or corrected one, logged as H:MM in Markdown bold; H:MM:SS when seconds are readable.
**6:33**
